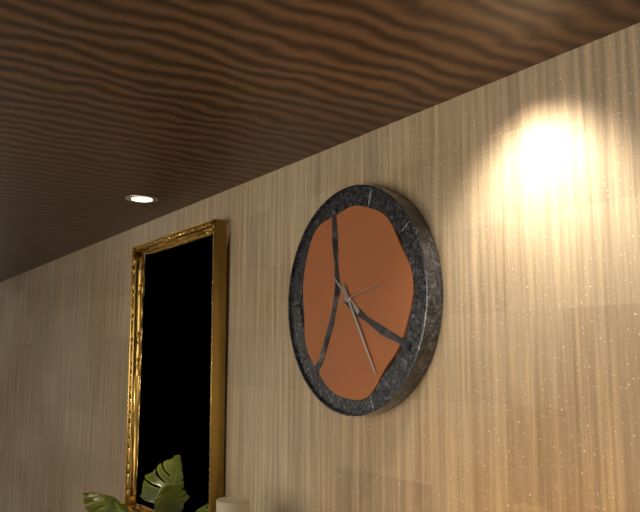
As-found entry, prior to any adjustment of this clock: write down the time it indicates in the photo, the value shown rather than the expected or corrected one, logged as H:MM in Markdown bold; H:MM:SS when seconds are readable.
**10:25**
